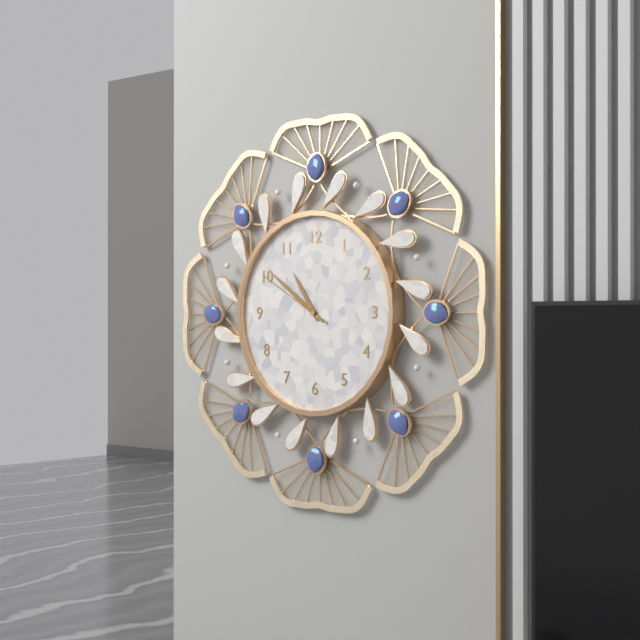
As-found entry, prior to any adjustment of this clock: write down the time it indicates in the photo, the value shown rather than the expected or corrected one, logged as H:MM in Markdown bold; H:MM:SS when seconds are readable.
**10:51:50**
